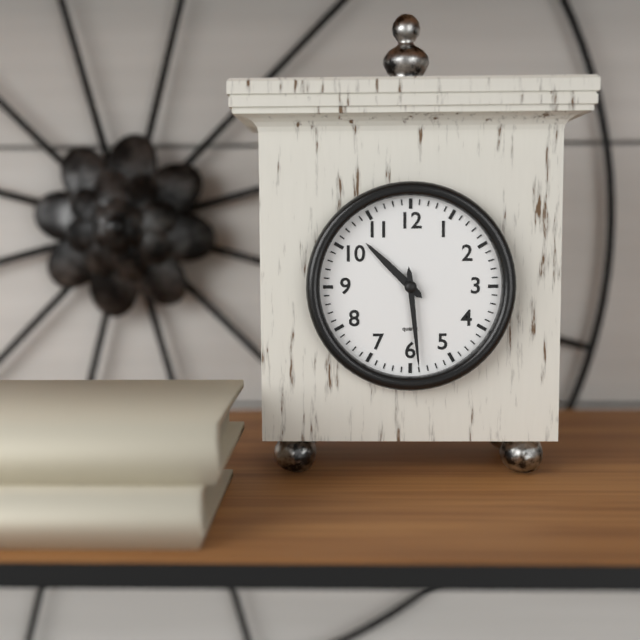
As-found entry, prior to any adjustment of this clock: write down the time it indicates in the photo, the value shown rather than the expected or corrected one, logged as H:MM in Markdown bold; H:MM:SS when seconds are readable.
**10:29**
